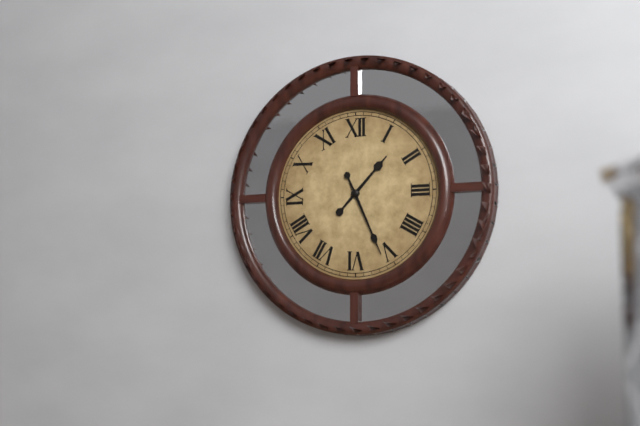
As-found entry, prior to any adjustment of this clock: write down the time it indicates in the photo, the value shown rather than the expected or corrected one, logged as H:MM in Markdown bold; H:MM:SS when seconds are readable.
**1:26**
